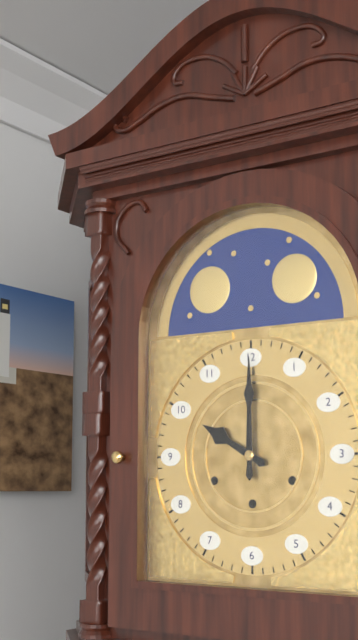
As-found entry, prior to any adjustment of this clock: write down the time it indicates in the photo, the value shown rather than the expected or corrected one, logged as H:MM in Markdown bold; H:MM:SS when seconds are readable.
**10:00**
